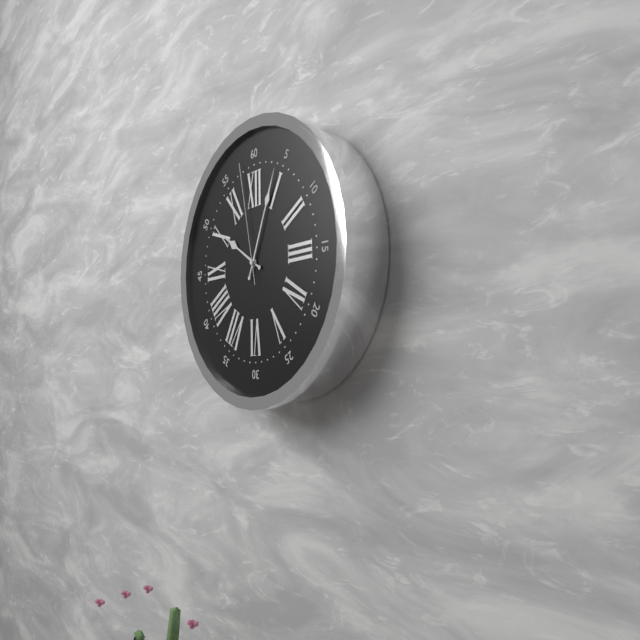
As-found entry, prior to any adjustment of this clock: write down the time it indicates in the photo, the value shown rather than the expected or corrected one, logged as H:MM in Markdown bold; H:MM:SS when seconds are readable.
**10:04:58**
